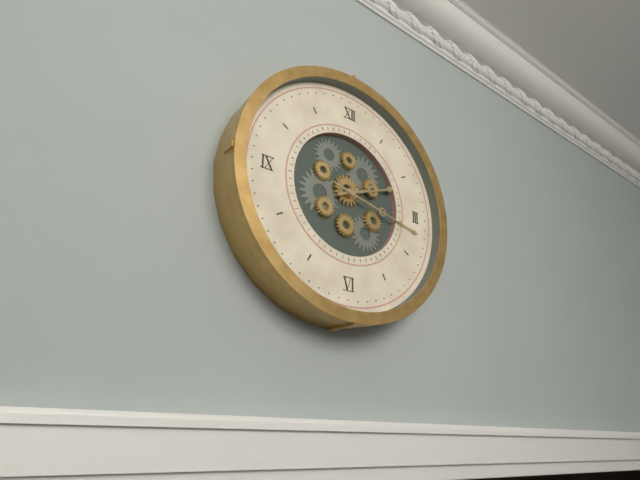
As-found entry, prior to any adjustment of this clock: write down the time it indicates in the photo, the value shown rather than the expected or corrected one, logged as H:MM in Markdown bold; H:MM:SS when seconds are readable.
**2:17**
